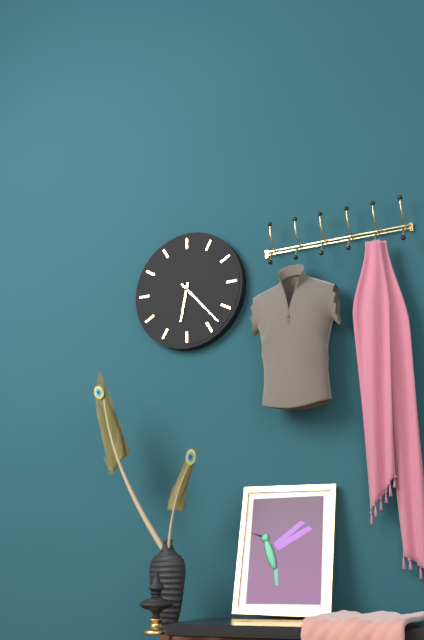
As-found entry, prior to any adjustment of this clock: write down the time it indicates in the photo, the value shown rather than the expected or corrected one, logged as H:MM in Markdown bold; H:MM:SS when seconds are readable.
**6:23**
